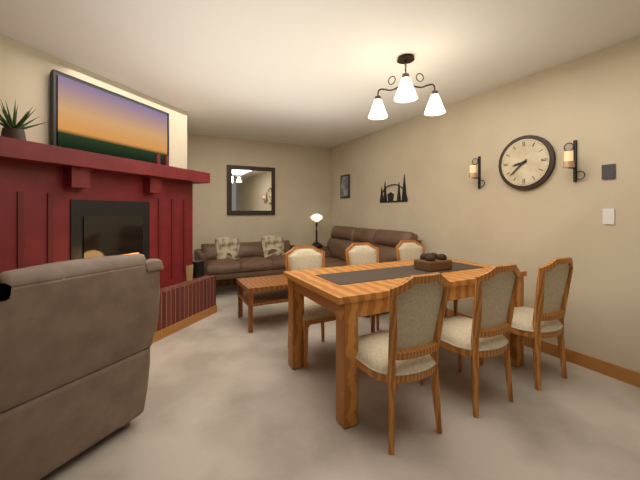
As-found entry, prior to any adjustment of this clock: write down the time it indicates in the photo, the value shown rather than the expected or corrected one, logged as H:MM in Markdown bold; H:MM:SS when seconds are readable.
**8:38**
